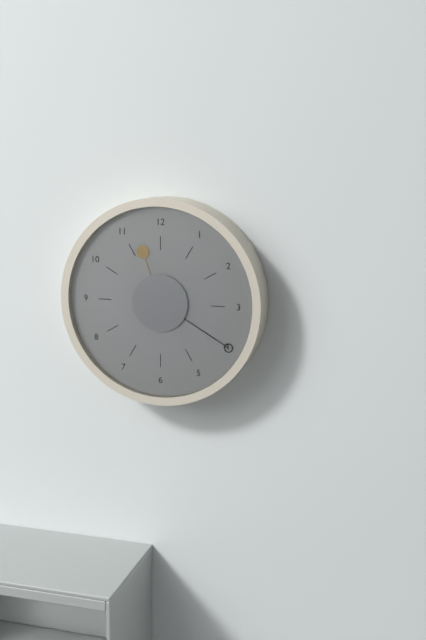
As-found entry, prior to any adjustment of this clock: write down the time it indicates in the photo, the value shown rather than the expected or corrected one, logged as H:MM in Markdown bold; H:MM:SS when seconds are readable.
**11:20**
